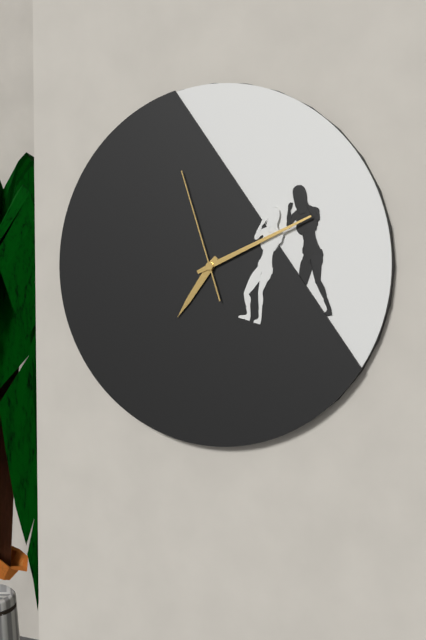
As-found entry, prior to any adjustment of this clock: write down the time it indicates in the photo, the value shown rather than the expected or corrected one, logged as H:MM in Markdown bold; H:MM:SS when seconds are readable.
**7:11:57**
